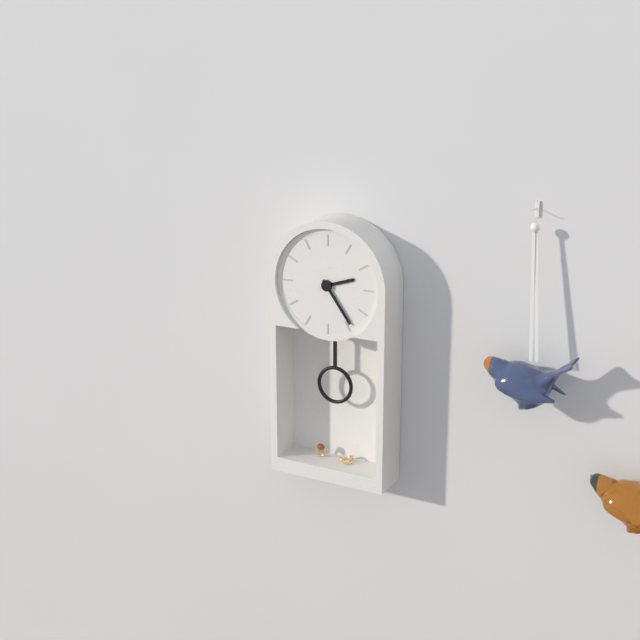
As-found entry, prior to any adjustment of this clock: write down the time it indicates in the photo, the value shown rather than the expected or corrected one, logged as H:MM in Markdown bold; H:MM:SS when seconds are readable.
**2:24**
